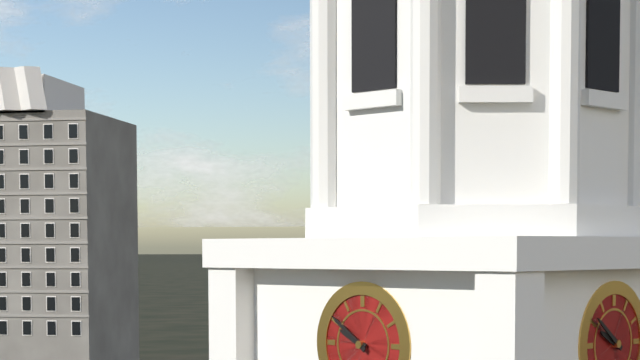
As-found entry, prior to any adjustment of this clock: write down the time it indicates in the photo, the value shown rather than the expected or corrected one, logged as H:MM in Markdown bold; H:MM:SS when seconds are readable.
**9:51**
